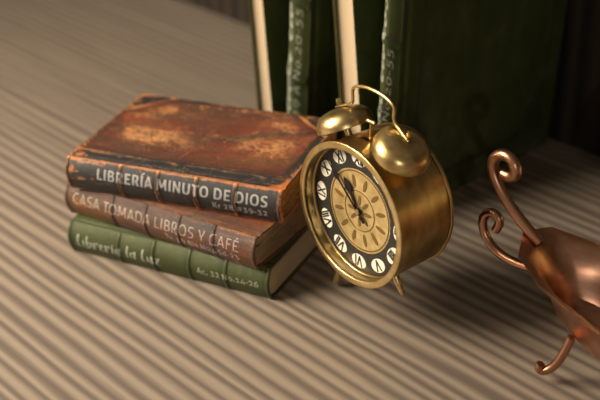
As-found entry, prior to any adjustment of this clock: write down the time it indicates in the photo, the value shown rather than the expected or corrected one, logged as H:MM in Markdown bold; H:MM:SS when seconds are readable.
**10:52**
